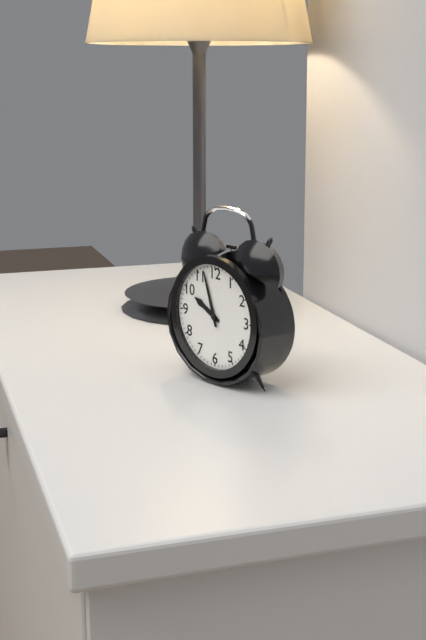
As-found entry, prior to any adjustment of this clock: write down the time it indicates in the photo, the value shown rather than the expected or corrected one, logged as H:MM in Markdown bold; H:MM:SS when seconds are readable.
**9:57**
